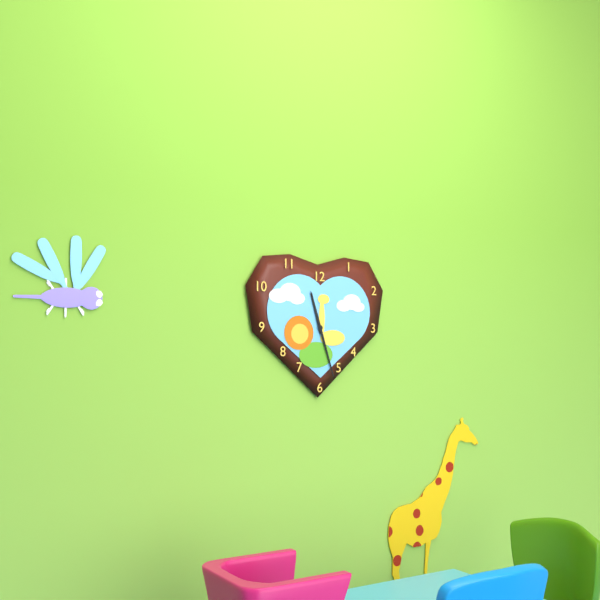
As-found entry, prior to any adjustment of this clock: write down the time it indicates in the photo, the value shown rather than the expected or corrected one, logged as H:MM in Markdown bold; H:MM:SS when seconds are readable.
**11:27**
